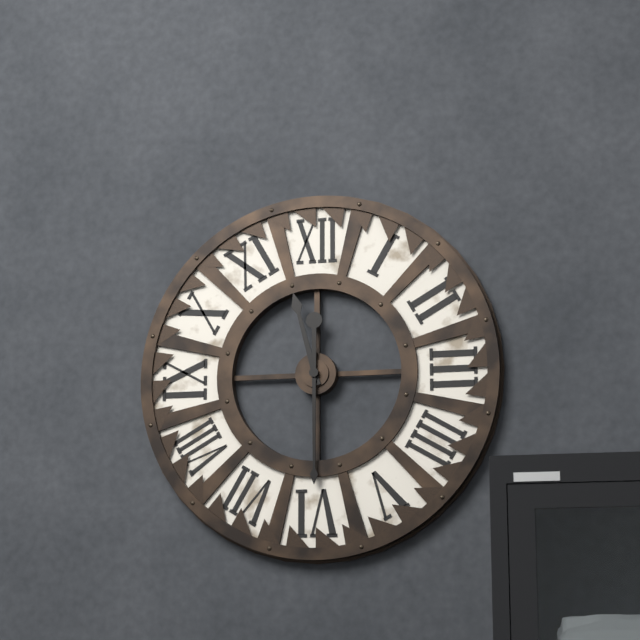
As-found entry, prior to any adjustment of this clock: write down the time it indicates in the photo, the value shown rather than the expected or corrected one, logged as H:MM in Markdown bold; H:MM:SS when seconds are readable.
**11:30**
